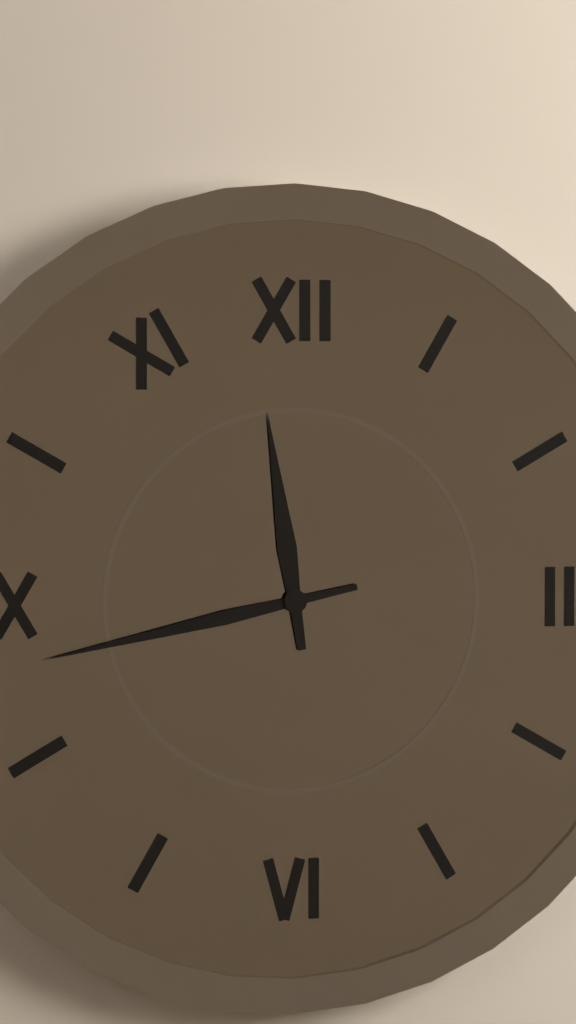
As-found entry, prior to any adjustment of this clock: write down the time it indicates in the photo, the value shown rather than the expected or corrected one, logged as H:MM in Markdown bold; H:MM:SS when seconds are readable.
**11:43**
